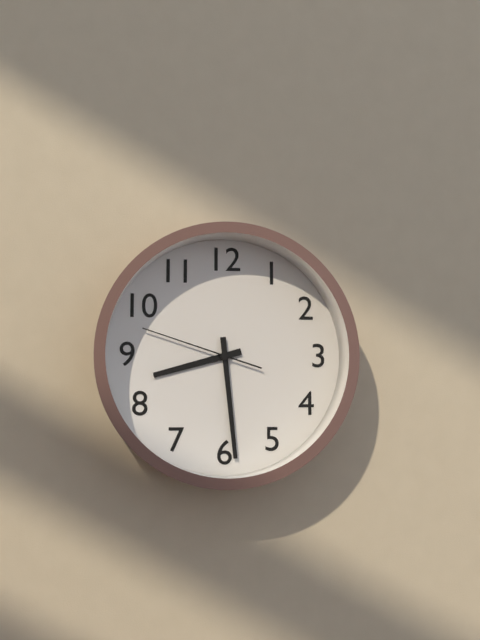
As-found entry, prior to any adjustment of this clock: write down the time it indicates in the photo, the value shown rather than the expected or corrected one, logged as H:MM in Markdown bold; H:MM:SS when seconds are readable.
**8:29:48**
